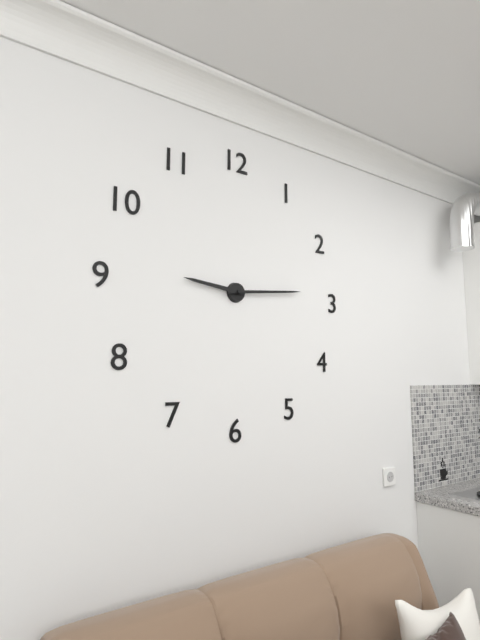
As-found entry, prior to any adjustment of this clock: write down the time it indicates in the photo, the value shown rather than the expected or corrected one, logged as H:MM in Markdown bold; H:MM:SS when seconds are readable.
**9:14**
